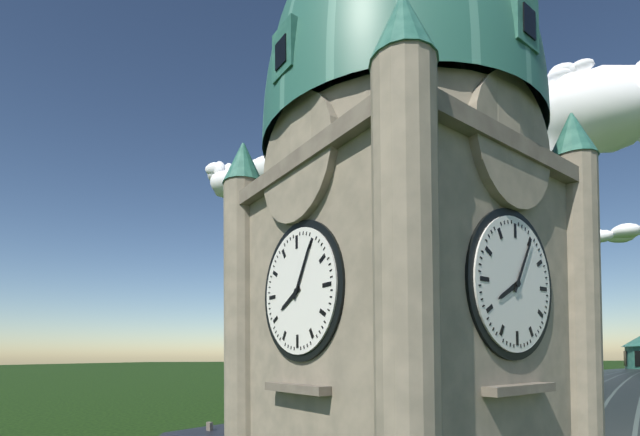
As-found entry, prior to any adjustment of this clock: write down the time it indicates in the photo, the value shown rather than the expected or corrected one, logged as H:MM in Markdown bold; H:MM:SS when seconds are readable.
**8:05**
